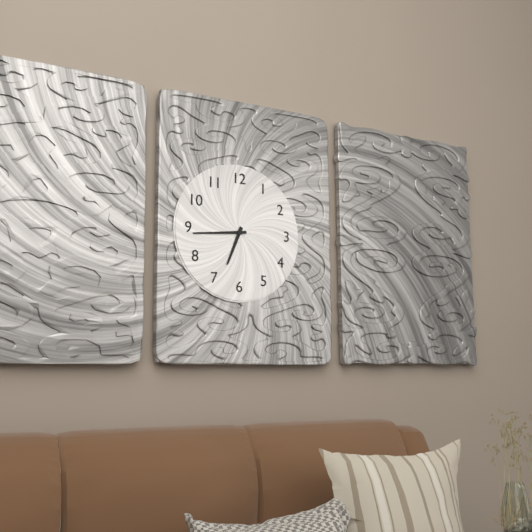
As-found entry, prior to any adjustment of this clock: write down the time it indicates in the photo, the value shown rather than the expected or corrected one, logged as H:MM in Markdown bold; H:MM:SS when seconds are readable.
**6:44**
